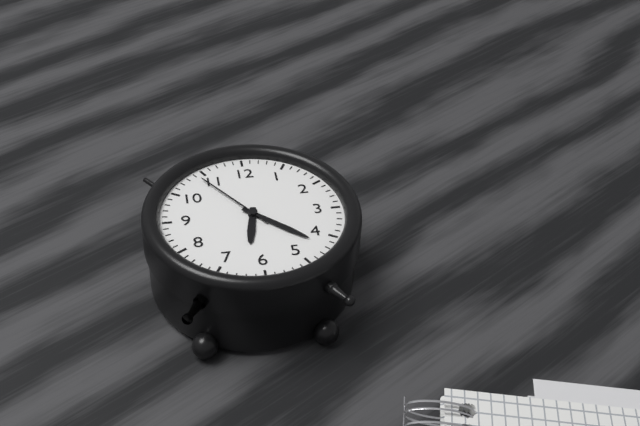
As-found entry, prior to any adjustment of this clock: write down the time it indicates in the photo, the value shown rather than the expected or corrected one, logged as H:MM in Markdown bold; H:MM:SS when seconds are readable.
**6:22:54**
